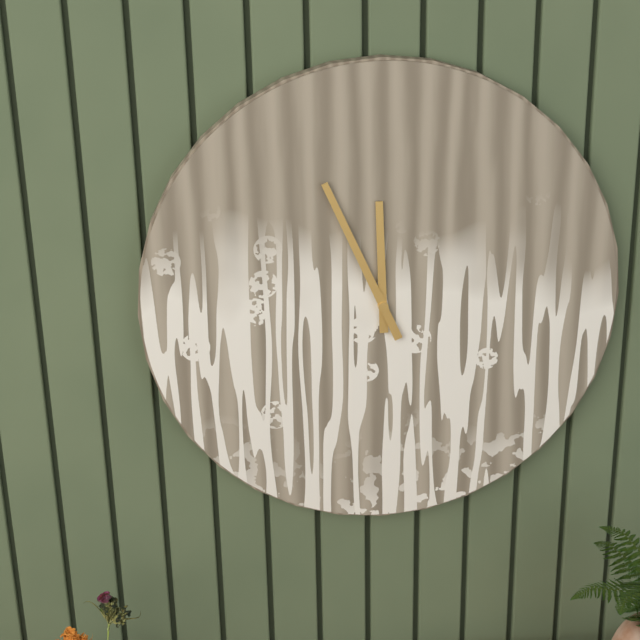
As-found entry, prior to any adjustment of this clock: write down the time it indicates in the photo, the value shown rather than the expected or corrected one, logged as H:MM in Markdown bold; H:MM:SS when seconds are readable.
**11:56**
